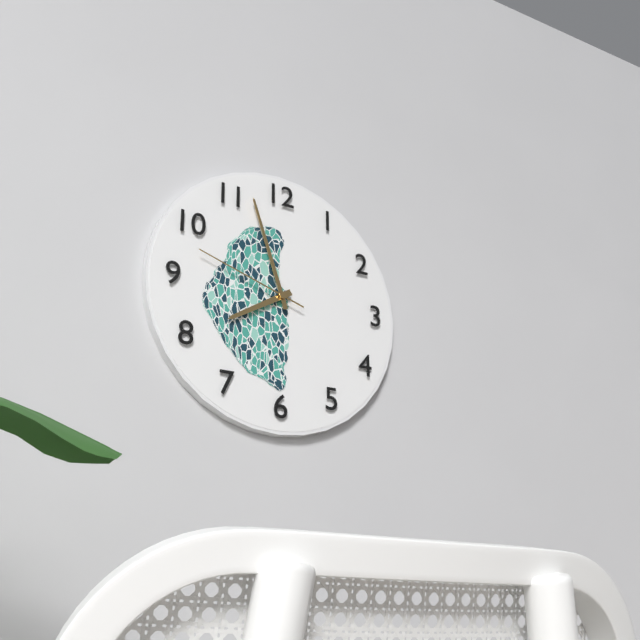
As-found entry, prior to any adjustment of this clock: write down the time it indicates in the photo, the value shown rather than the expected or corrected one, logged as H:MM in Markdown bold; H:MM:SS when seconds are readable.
**7:57:48**
